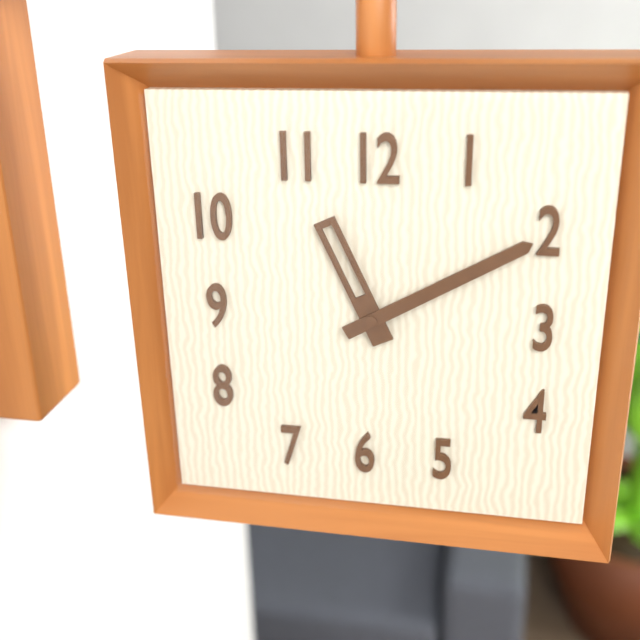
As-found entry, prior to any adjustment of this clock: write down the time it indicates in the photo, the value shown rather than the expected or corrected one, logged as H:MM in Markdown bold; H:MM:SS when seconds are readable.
**11:10**
